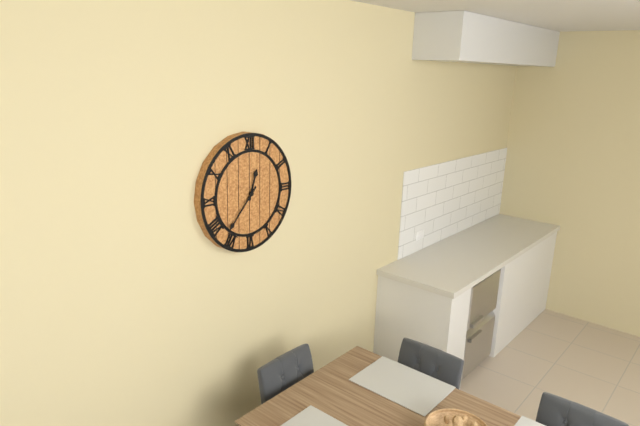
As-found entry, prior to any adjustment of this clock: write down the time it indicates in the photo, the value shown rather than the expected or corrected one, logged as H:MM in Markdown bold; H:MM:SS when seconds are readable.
**12:37**
